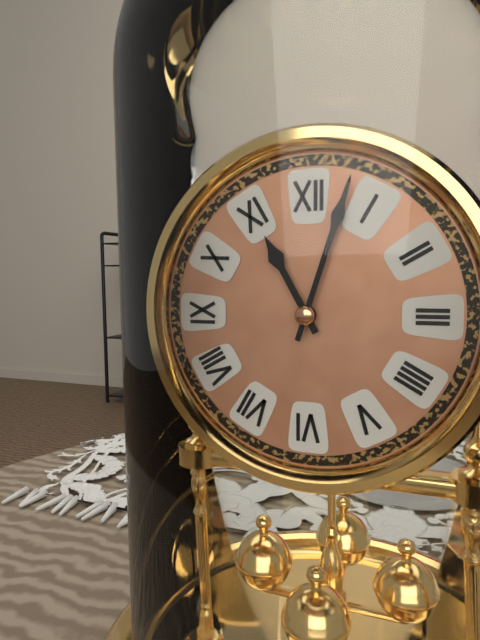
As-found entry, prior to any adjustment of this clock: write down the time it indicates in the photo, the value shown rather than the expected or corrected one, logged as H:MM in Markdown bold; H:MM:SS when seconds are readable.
**11:03**
